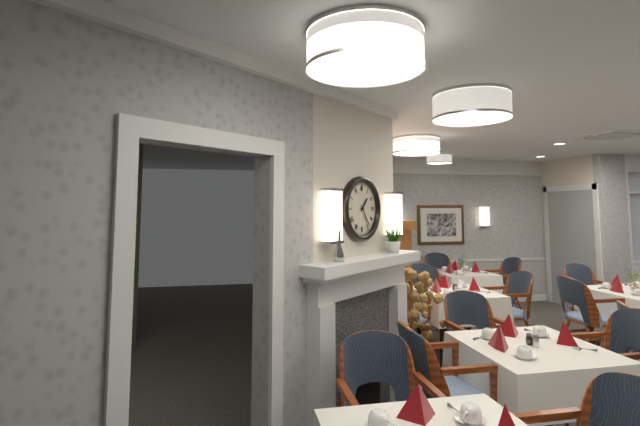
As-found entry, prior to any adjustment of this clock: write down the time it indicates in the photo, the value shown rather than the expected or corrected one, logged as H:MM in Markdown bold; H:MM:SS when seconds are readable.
**1:24**
